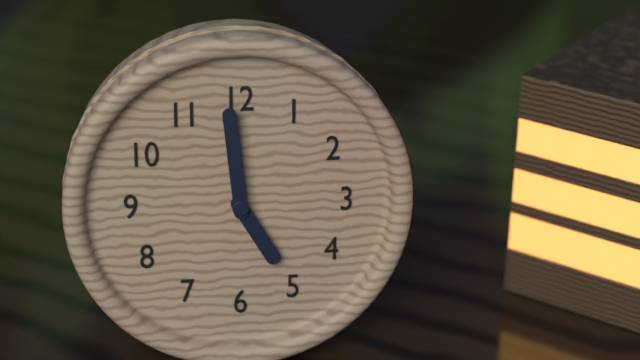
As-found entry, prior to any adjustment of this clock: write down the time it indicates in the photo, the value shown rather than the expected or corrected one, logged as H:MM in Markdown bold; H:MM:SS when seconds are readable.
**4:59**
